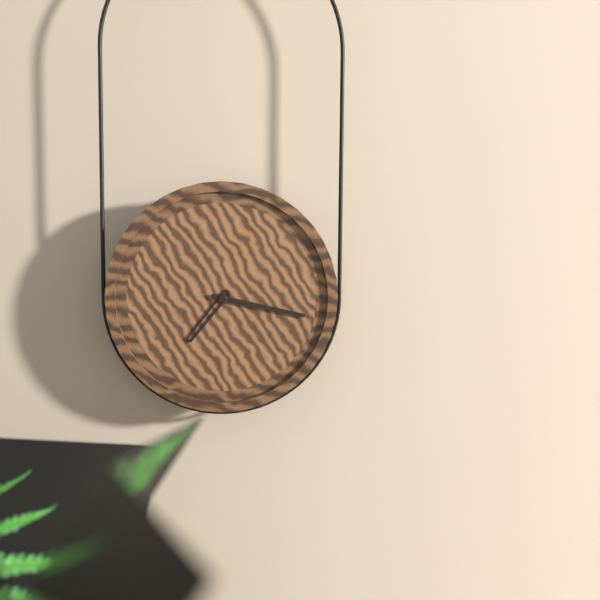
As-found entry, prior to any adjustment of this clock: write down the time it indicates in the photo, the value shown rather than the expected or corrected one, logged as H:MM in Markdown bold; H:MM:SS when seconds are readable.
**7:17**
